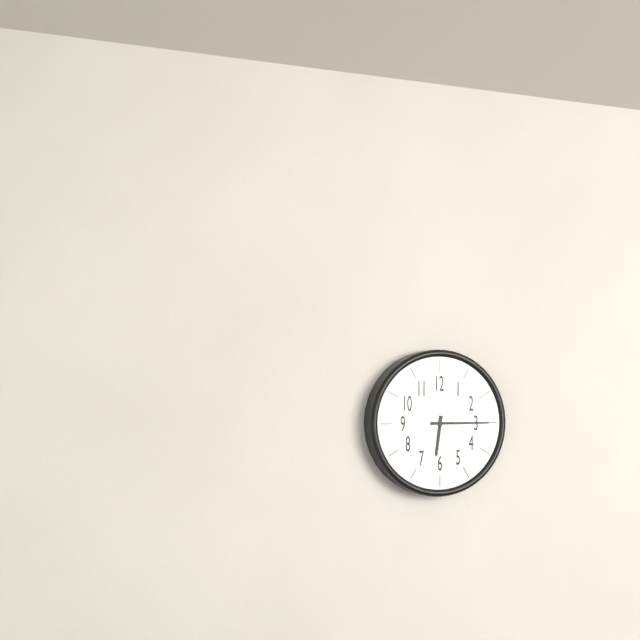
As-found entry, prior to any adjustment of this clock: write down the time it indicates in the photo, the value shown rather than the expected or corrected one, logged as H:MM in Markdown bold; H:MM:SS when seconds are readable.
**6:15**
